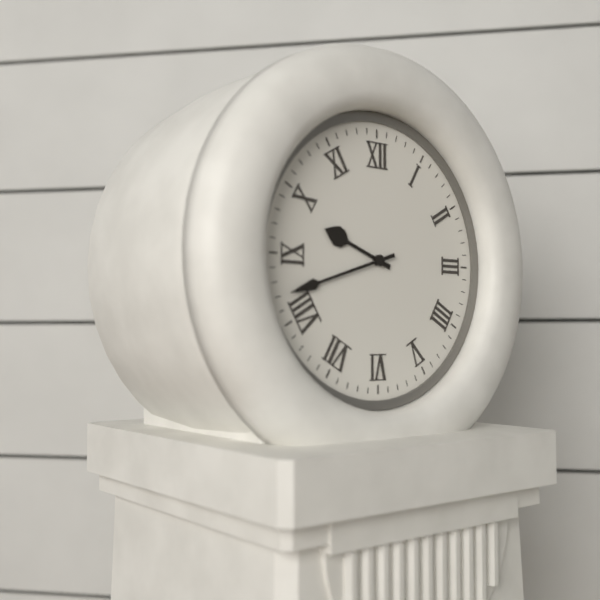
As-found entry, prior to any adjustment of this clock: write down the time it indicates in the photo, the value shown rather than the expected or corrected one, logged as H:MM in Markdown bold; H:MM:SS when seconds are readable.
**9:42**
